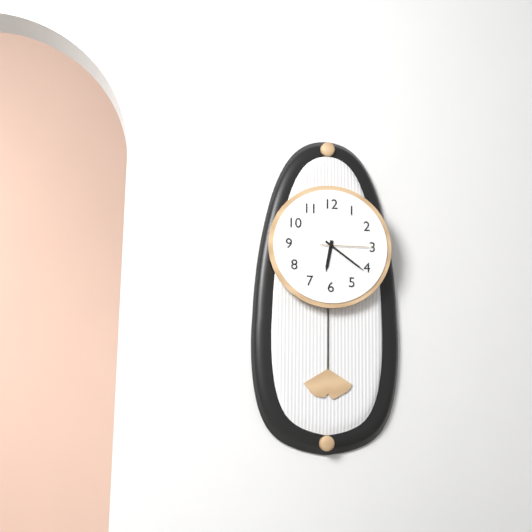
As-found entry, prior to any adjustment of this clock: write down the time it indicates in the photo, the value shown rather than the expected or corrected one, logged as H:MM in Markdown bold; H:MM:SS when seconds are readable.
**6:21:15**
